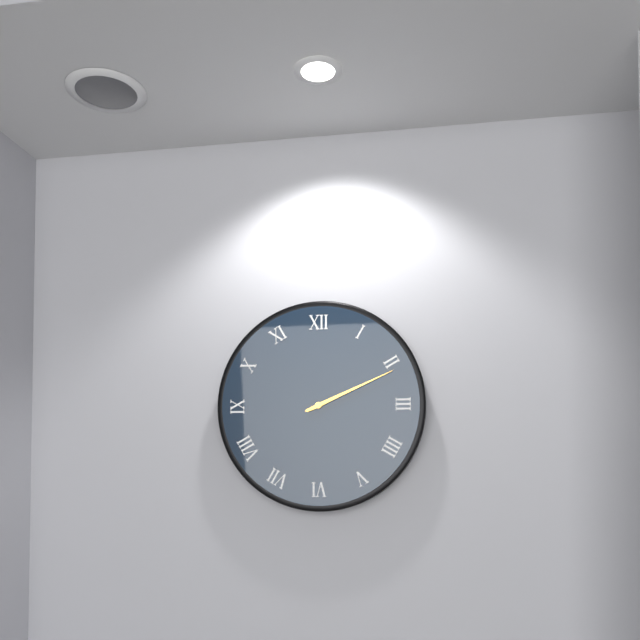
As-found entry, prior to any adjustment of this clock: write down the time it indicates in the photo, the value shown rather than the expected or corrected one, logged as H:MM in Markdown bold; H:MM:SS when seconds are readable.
**2:11**
